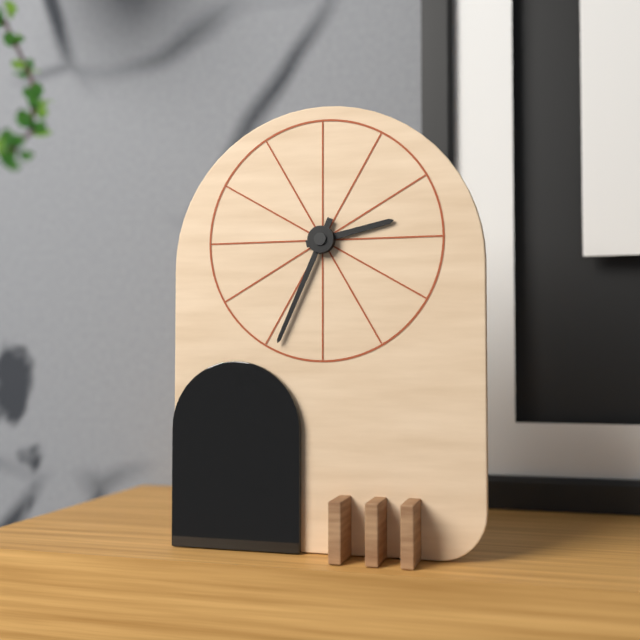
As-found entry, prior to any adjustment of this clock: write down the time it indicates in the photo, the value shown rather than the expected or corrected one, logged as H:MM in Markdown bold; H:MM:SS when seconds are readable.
**2:34**
